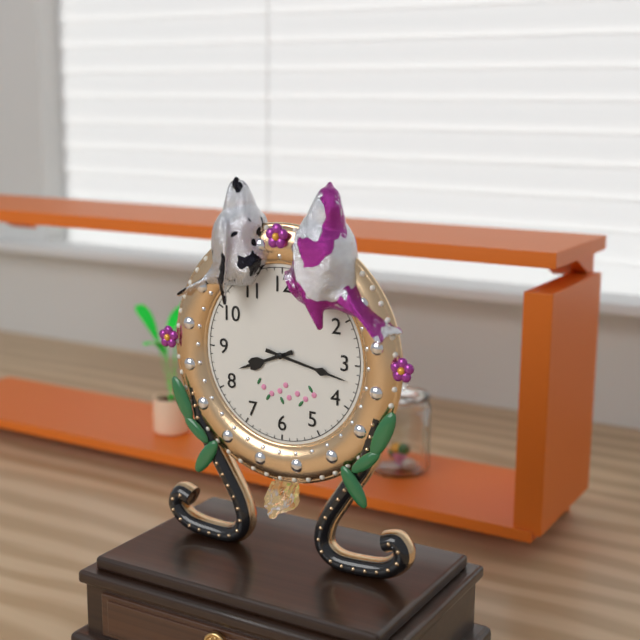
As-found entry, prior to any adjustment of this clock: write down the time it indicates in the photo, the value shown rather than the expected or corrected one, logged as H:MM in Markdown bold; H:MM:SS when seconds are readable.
**8:17**
